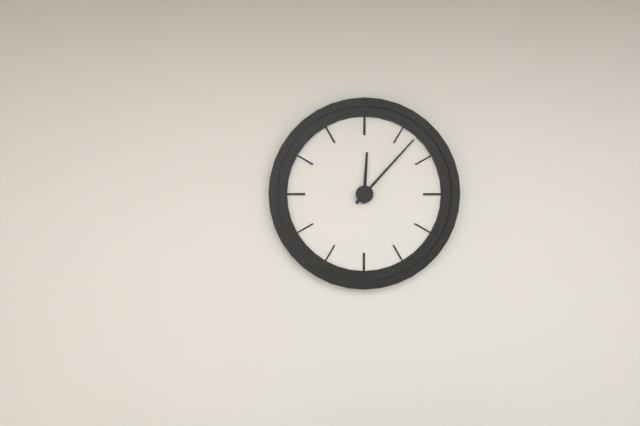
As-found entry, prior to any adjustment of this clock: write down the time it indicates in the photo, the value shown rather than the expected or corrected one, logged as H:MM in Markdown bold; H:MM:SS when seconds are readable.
**12:07**
